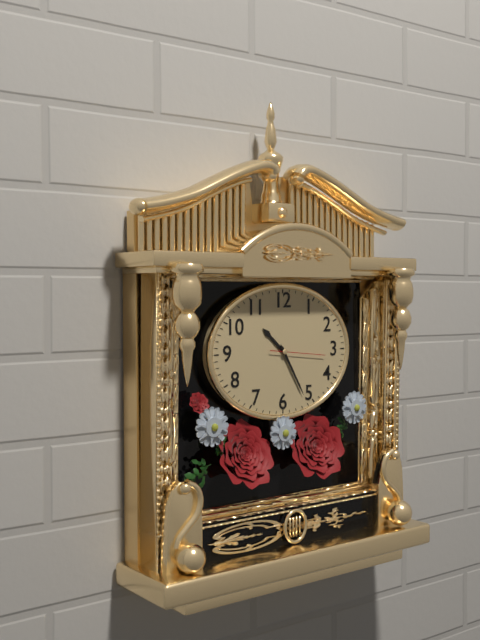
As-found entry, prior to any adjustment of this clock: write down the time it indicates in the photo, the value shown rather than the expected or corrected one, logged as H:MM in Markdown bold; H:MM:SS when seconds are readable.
**10:25:16**
